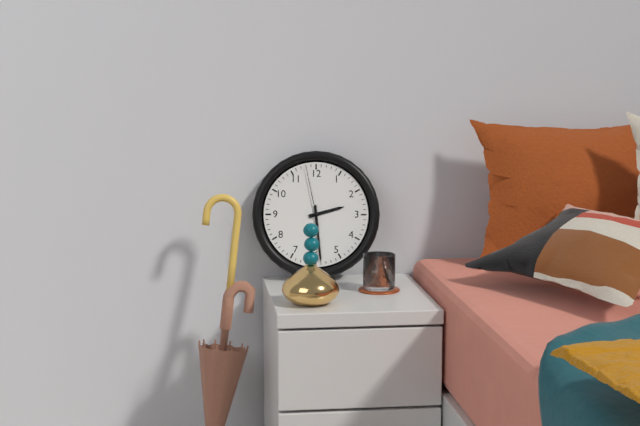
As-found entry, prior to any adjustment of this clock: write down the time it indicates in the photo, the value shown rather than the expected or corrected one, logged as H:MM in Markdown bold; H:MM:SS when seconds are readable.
**2:29:58**
